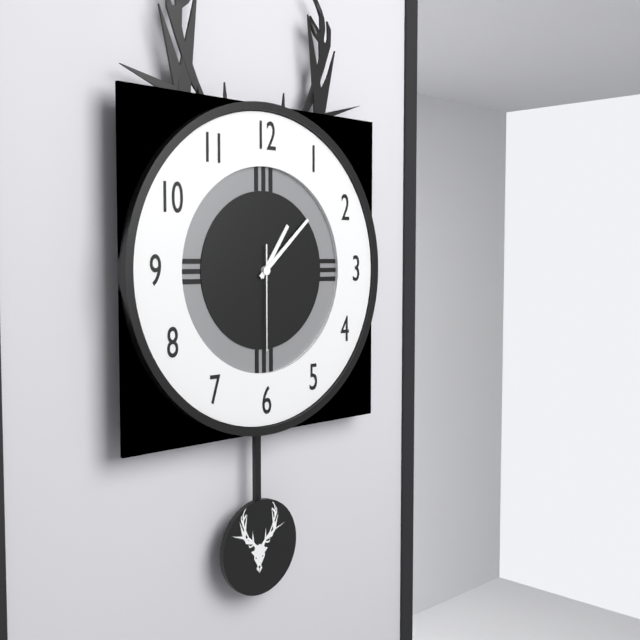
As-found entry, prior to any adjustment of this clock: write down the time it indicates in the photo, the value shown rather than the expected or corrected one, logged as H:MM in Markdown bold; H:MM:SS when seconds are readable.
**1:08:30**
